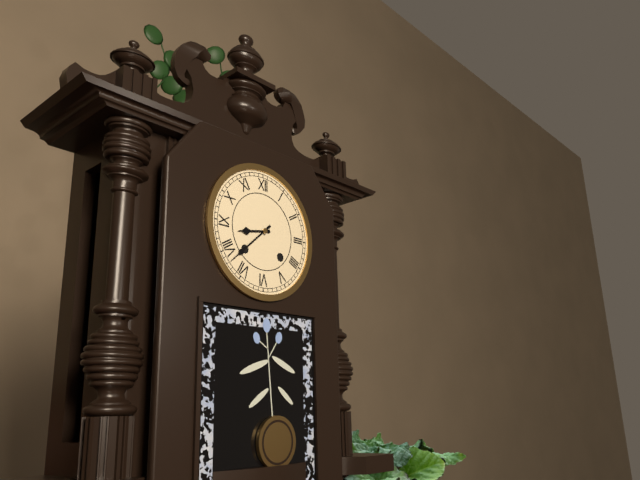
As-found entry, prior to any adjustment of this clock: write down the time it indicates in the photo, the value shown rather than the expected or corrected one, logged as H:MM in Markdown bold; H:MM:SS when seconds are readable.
**8:38**
